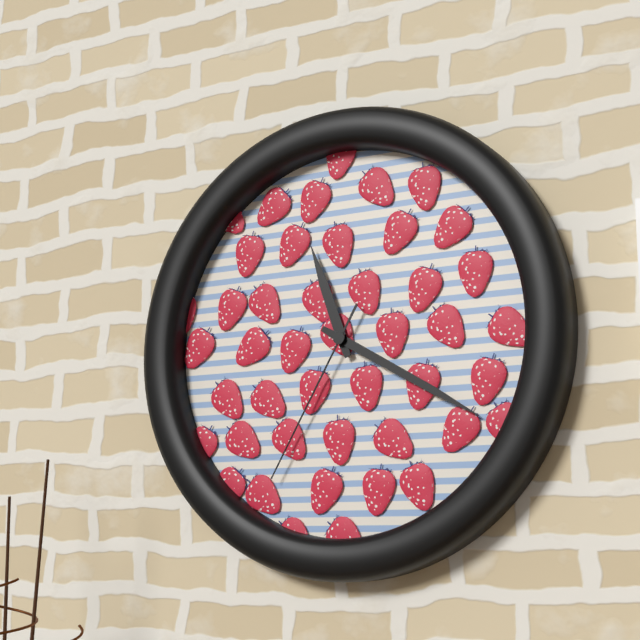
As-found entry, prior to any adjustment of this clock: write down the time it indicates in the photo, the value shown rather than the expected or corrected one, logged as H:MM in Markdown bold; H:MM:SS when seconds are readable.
**11:20:35**
